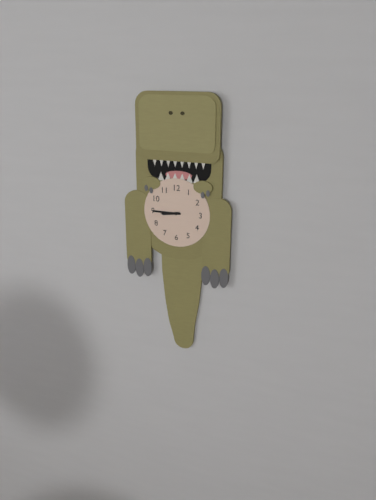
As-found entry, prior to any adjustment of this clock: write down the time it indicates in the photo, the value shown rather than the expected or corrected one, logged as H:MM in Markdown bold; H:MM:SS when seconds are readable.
**8:45**
